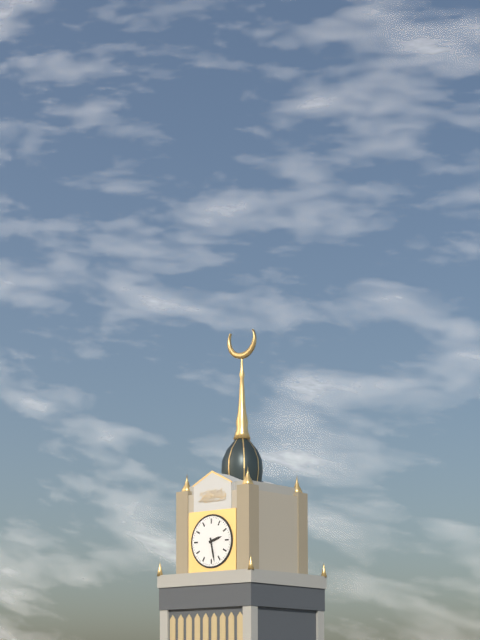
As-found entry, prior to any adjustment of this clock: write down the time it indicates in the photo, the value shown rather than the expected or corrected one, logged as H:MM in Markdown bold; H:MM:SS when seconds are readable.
**2:28**
